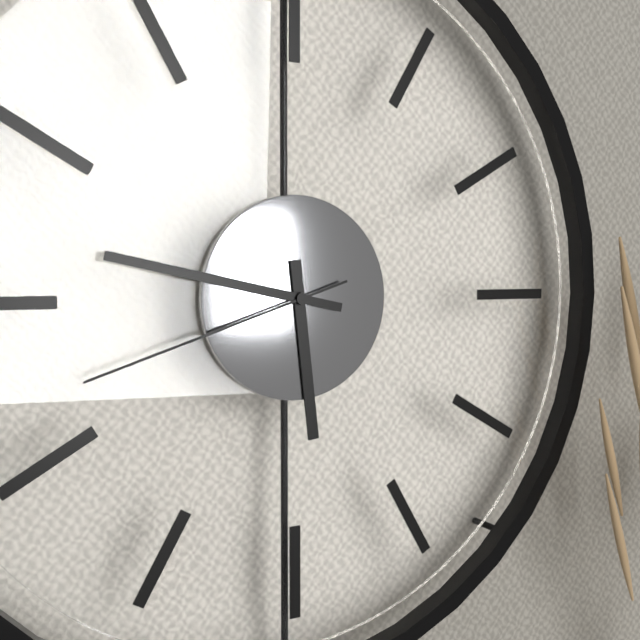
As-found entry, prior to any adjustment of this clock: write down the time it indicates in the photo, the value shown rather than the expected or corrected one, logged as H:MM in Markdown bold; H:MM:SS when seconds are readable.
**5:47:42**
